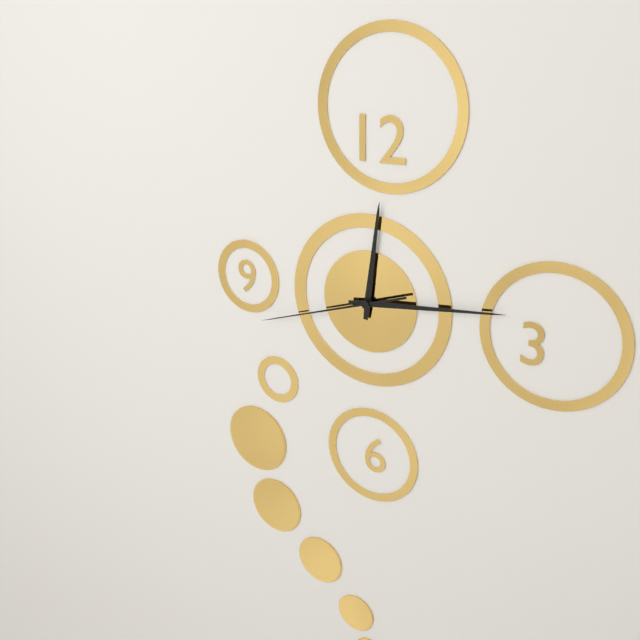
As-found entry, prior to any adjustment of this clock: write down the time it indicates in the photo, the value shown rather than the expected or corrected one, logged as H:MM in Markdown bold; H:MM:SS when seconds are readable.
**12:14:42**
